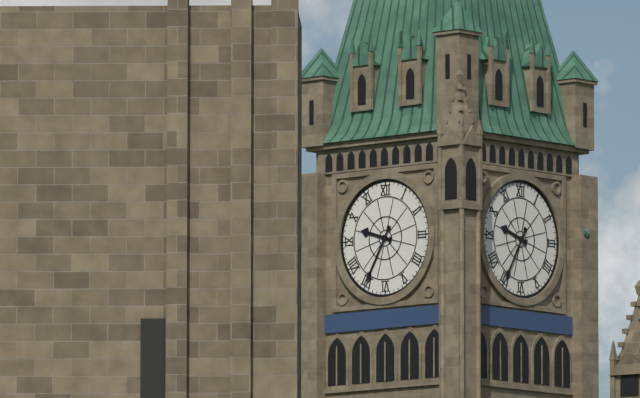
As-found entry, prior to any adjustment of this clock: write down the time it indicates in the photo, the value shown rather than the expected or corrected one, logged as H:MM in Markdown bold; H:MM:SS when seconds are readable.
**9:35**
